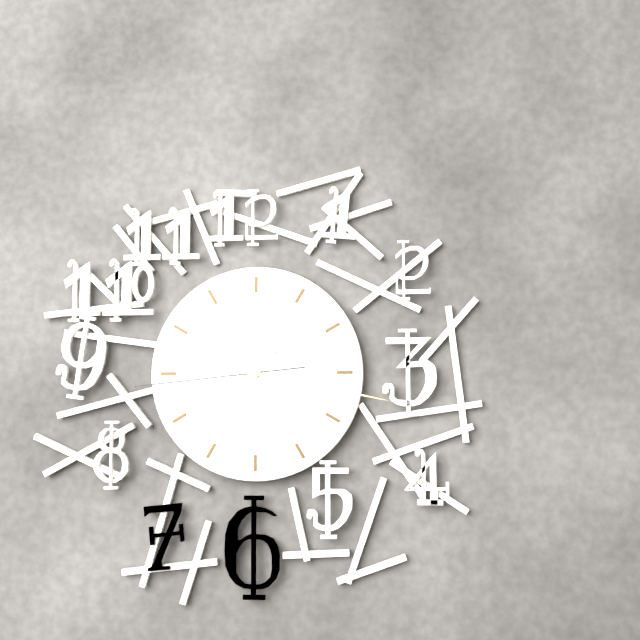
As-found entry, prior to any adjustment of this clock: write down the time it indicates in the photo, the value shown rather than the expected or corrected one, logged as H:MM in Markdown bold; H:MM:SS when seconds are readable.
**1:17:44**
